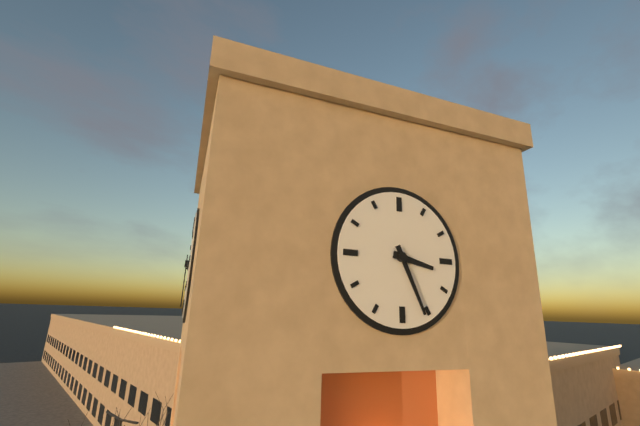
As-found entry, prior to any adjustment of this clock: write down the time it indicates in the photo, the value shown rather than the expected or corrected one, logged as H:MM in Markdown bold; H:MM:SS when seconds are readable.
**3:26**
